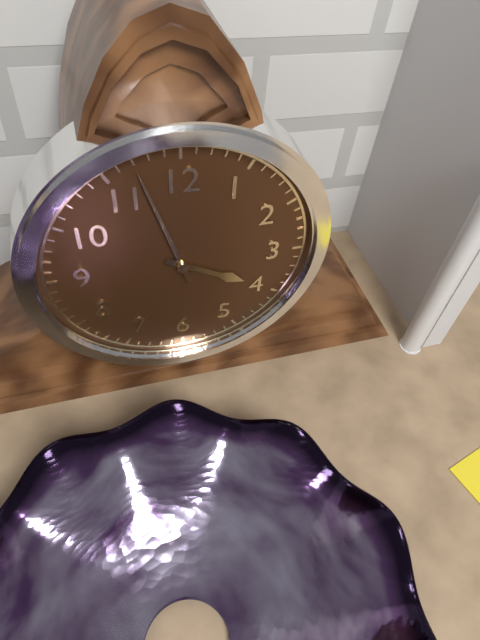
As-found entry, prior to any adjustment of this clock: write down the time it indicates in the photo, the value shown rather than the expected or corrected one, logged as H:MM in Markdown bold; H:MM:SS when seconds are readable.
**3:57**
